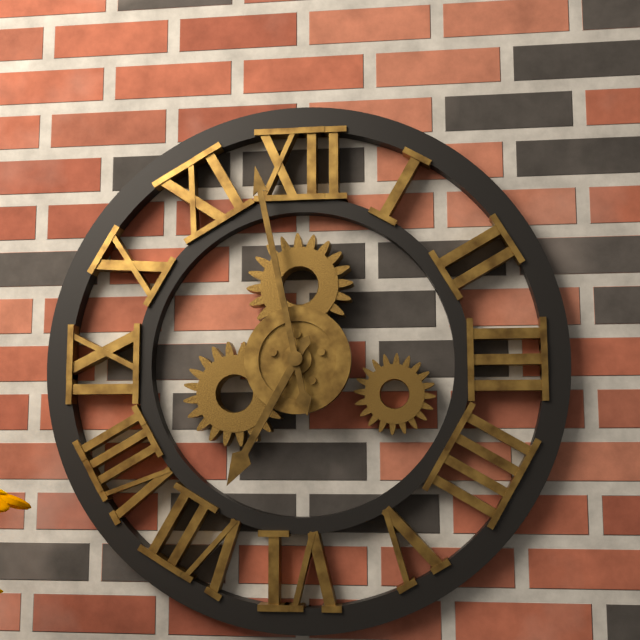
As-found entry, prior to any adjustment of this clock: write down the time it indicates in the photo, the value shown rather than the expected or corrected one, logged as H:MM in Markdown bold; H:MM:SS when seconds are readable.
**6:58**
